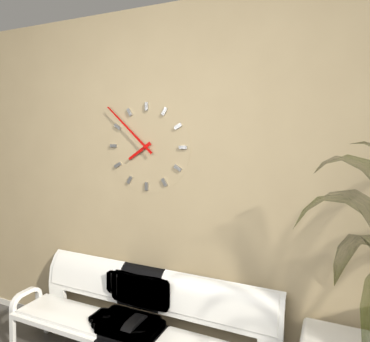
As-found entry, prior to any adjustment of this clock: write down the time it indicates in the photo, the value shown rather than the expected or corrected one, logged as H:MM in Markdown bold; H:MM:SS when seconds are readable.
**7:52**
